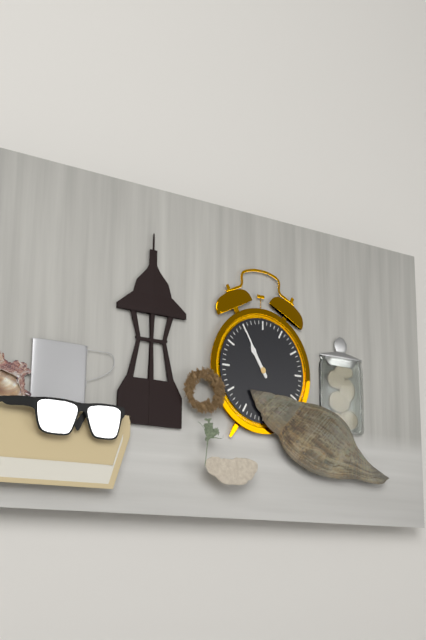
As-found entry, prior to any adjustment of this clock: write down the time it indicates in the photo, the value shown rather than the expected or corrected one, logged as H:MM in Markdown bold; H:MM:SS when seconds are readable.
**10:55**
